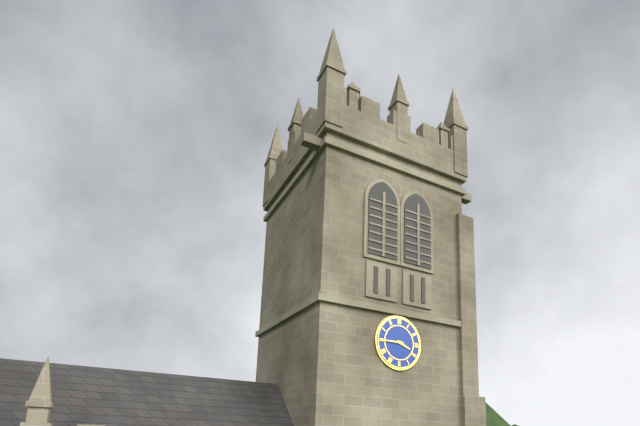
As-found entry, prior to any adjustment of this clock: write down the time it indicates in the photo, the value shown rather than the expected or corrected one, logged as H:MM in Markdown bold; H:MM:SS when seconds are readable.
**3:45**
